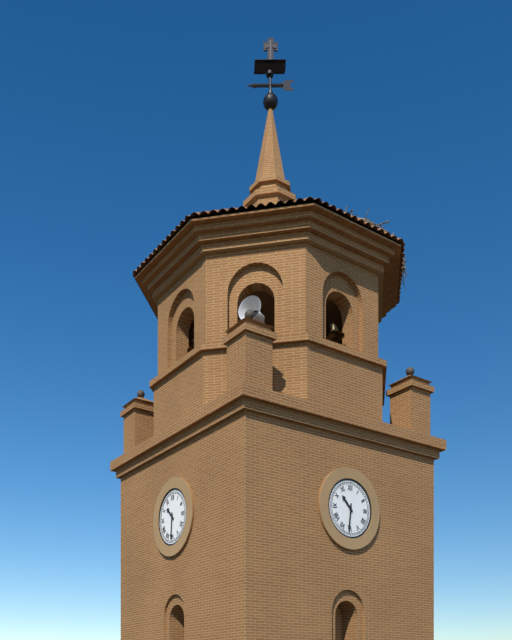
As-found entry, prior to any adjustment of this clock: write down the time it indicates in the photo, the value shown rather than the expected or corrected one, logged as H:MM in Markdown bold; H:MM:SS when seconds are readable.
**10:31**
